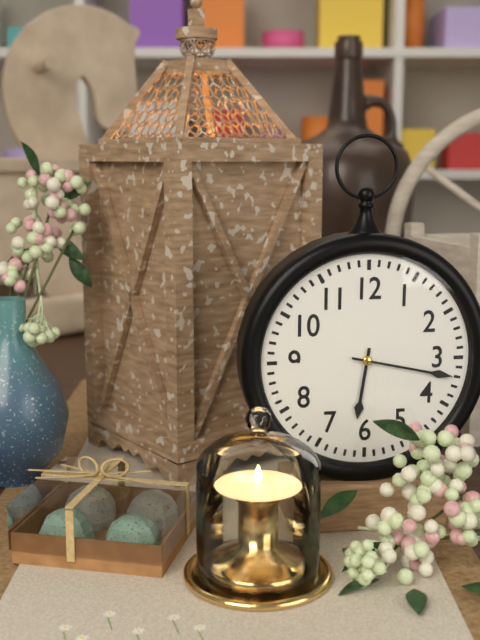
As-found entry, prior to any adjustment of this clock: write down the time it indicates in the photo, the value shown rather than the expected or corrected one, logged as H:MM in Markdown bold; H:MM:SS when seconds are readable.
**6:17**
